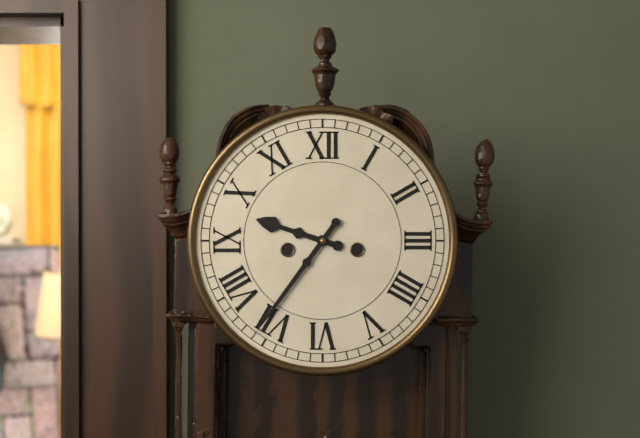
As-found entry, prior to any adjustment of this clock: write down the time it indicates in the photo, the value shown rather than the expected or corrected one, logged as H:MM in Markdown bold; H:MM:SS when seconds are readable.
**9:36**
